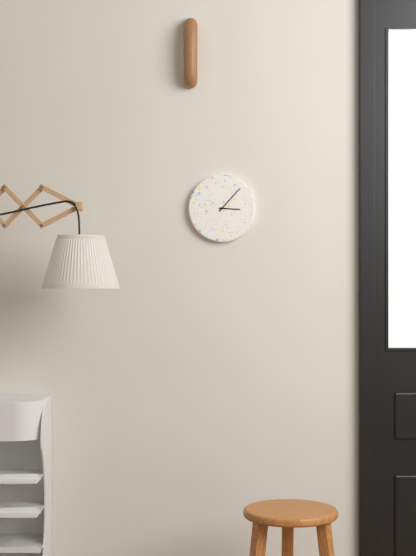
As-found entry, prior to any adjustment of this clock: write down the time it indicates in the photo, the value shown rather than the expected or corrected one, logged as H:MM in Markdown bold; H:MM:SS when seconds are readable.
**3:07**
